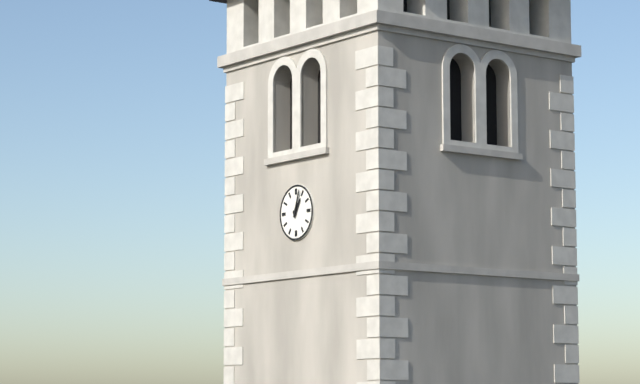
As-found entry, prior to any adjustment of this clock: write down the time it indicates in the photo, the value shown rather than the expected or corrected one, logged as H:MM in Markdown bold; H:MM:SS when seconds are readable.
**1:03**
